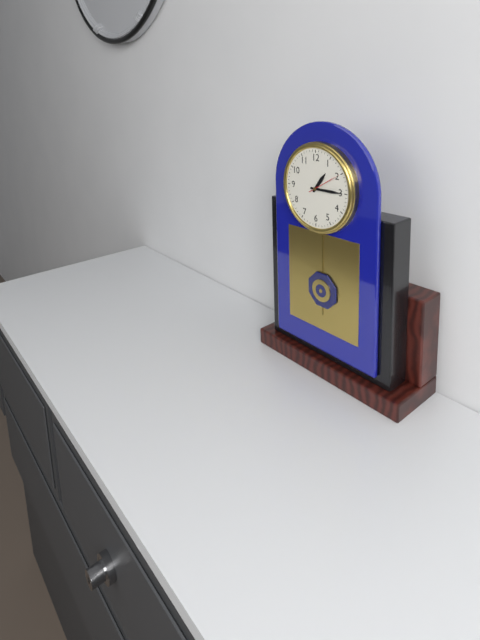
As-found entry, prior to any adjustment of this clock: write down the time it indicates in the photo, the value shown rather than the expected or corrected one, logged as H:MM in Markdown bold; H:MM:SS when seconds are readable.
**1:15**
